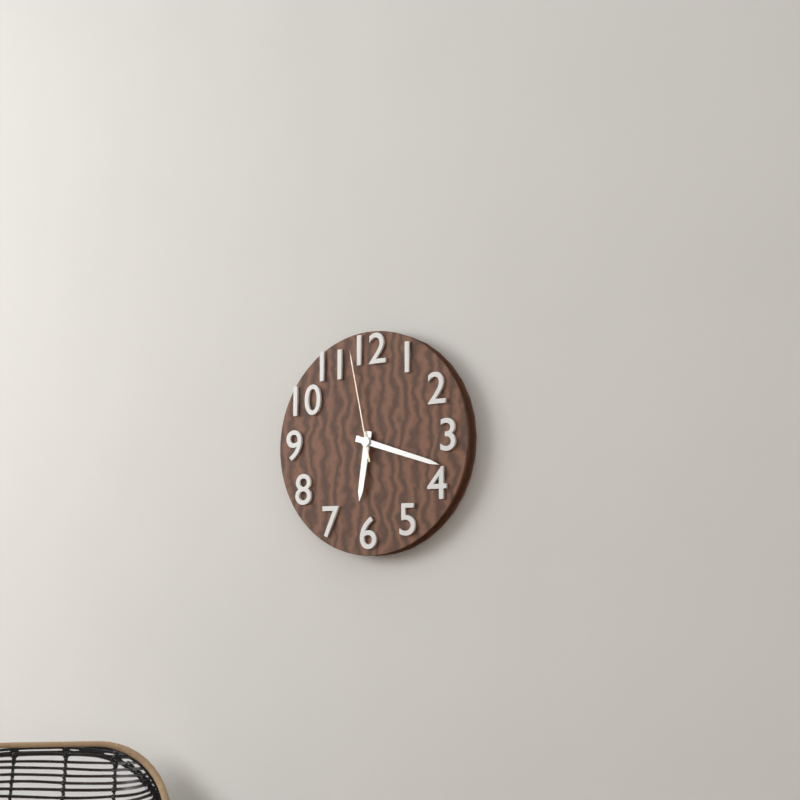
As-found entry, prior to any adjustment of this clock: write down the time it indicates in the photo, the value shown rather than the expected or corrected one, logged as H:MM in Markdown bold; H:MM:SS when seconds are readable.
**6:18:58**
